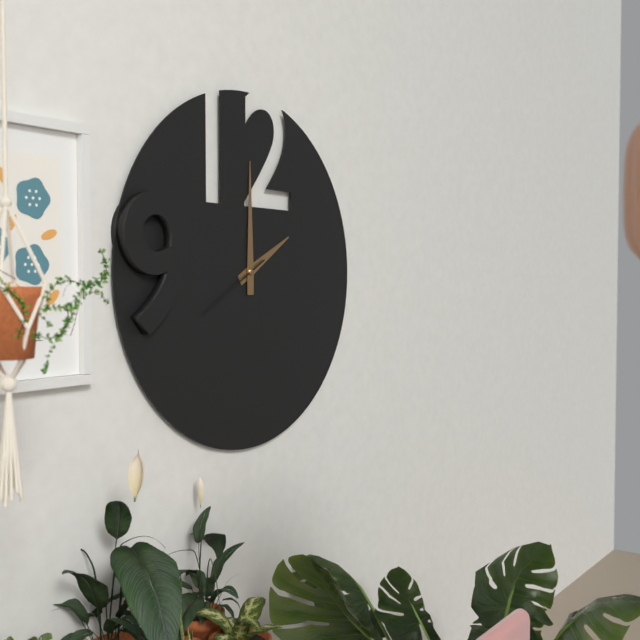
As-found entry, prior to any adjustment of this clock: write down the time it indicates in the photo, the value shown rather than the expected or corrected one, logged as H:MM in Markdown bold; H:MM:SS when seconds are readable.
**2:00:40**
